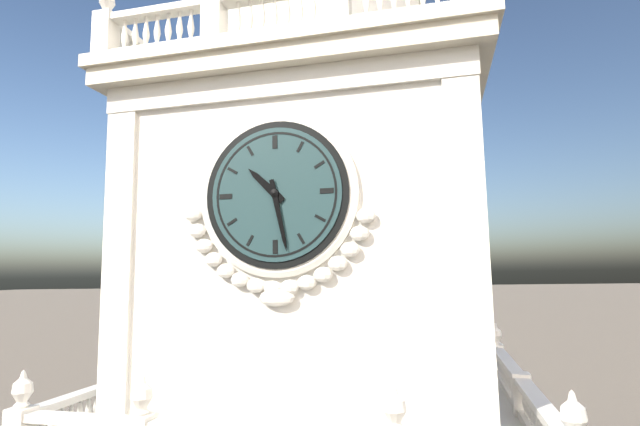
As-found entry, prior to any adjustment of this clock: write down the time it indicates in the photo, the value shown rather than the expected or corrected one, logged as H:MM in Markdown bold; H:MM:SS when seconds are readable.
**10:28**
